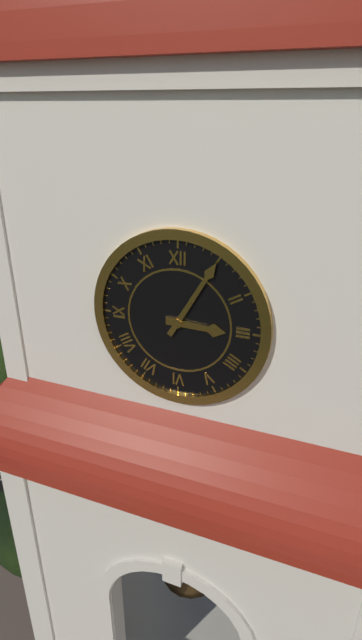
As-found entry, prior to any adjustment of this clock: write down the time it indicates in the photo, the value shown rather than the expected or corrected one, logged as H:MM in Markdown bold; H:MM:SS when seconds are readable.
**3:05**
